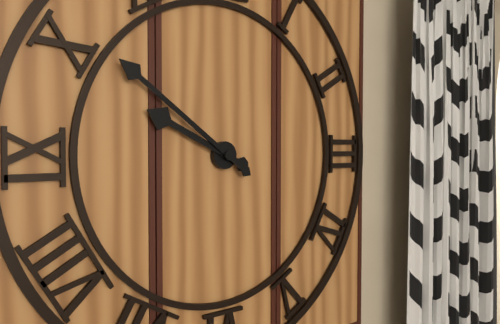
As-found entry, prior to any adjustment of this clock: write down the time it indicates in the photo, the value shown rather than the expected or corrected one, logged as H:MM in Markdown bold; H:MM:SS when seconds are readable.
**9:51**
